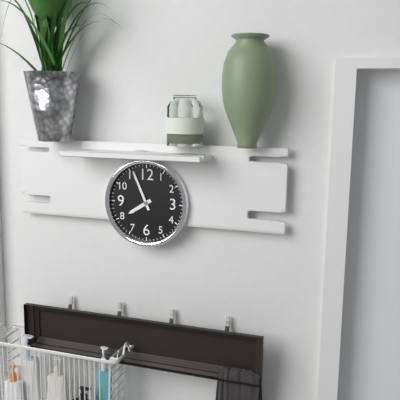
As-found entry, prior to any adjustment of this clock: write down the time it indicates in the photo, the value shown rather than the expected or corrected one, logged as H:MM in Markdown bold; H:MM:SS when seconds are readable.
**7:56**
